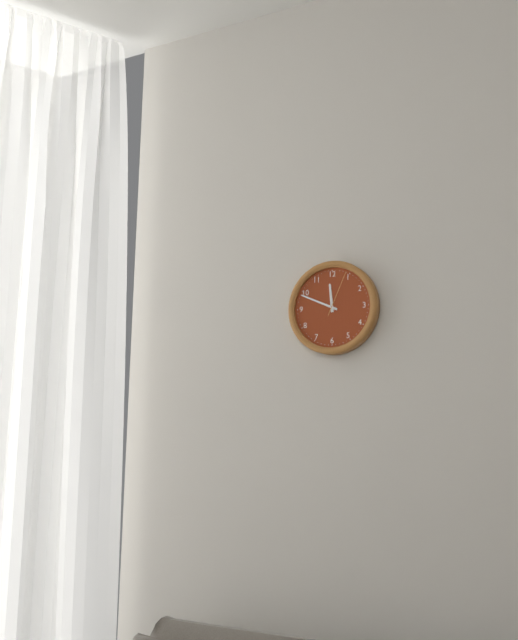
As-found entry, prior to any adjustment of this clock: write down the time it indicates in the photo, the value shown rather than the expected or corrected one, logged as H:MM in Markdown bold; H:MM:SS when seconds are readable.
**11:49**
